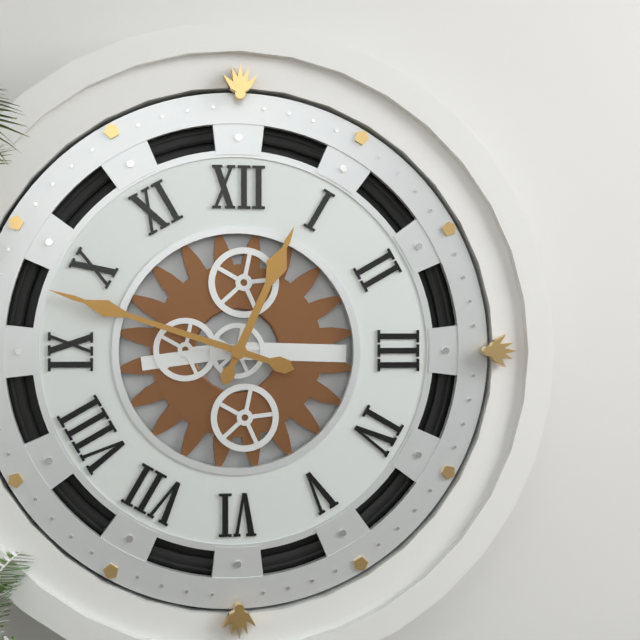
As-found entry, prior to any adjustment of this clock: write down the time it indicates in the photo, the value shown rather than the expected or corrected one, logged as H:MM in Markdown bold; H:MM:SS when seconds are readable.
**12:48**
